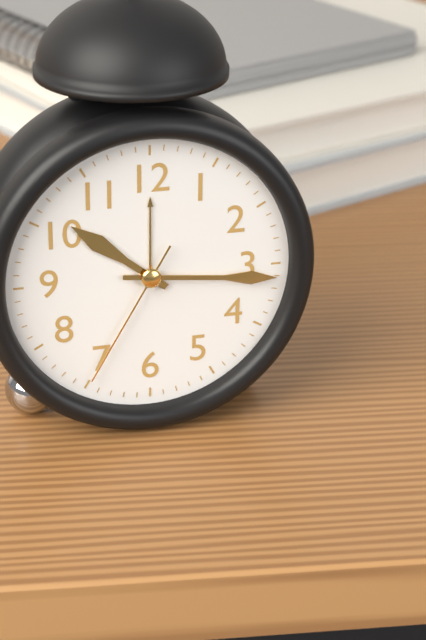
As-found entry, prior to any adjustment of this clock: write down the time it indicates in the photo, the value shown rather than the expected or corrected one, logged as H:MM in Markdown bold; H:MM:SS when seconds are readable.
**10:16:35**
